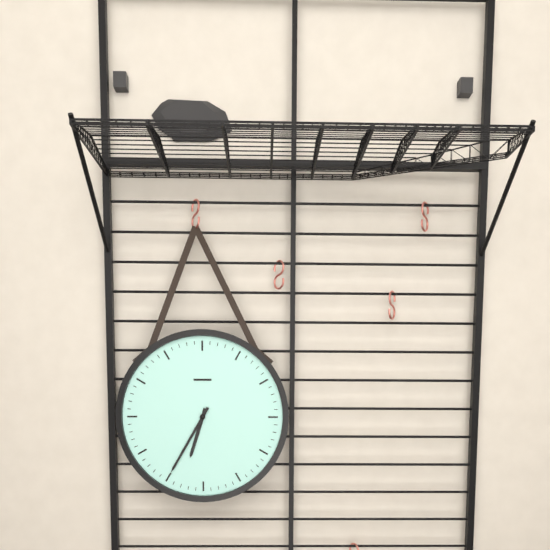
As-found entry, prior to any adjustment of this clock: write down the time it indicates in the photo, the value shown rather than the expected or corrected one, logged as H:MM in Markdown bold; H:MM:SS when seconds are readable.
**6:35**
